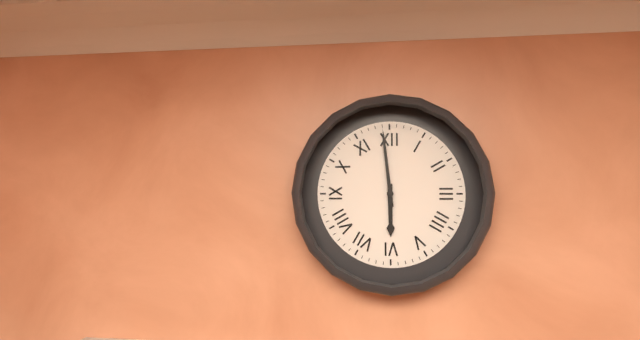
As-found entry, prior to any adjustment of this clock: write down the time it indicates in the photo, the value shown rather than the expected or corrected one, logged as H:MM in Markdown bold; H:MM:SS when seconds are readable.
**5:59**
